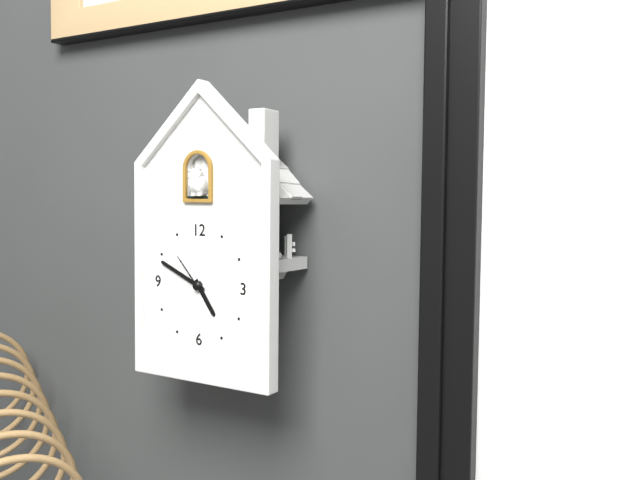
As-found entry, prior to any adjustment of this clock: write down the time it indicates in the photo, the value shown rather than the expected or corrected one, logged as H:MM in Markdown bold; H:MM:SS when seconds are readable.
**4:49:53**
